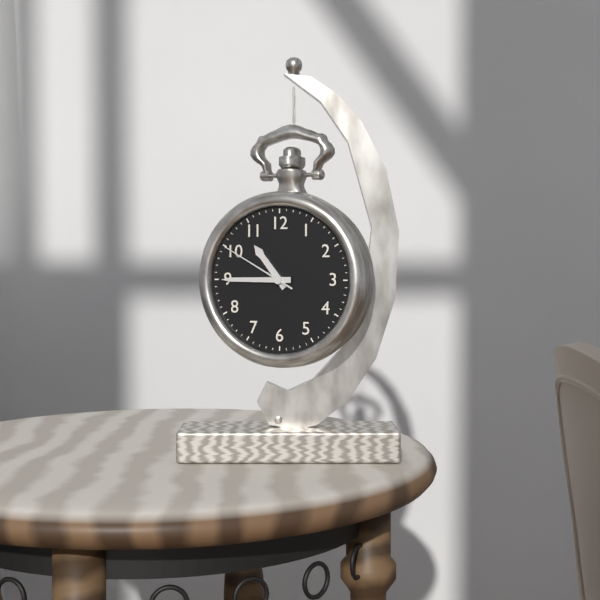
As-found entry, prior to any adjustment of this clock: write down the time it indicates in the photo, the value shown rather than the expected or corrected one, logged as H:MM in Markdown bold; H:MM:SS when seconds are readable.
**10:45:50**
